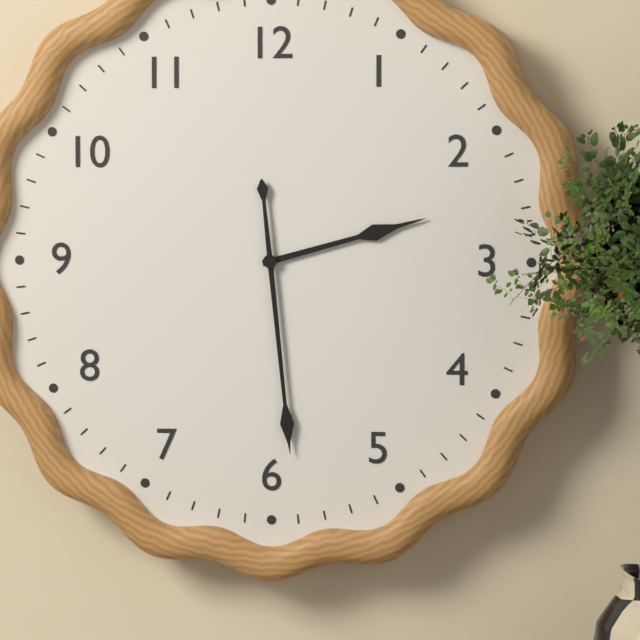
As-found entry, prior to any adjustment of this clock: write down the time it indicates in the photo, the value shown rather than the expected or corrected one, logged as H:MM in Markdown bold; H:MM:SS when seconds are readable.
**2:29**
